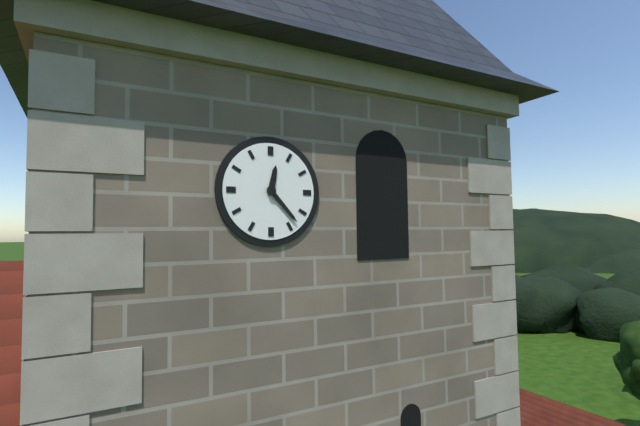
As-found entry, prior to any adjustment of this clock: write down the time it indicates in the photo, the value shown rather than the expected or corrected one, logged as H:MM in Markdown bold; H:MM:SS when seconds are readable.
**12:23**
